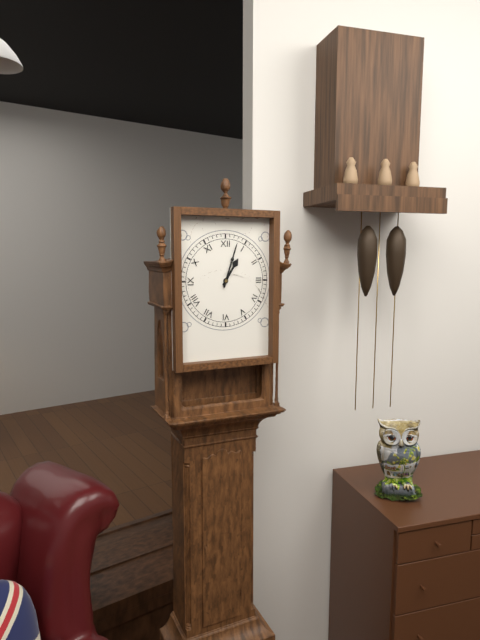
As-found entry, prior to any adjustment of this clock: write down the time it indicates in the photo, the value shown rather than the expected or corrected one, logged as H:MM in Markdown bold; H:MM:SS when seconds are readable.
**1:03**
